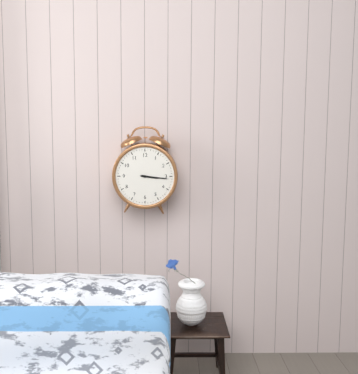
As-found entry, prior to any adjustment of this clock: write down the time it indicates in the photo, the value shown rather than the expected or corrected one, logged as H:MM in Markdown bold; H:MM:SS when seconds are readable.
**3:16**
